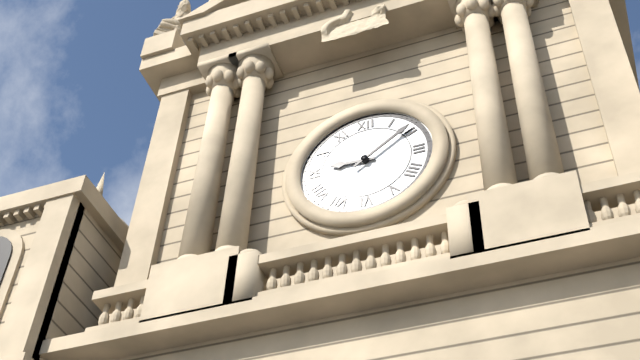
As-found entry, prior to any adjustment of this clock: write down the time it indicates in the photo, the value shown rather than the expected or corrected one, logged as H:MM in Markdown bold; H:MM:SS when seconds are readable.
**9:09**
